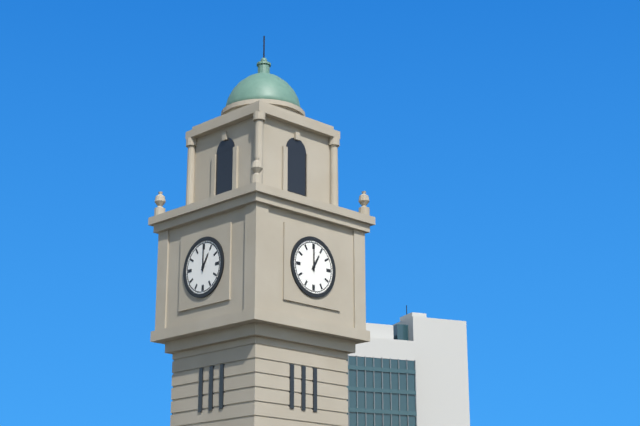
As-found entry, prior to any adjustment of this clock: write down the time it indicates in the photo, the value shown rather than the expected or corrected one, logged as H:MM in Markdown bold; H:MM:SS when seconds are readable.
**1:00**
